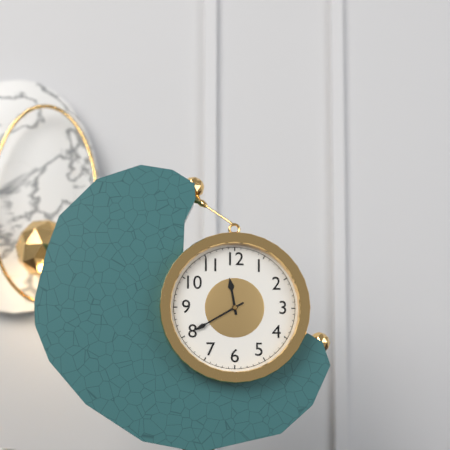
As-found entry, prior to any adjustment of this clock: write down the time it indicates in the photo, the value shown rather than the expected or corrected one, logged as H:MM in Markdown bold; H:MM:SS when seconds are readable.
**11:40**
